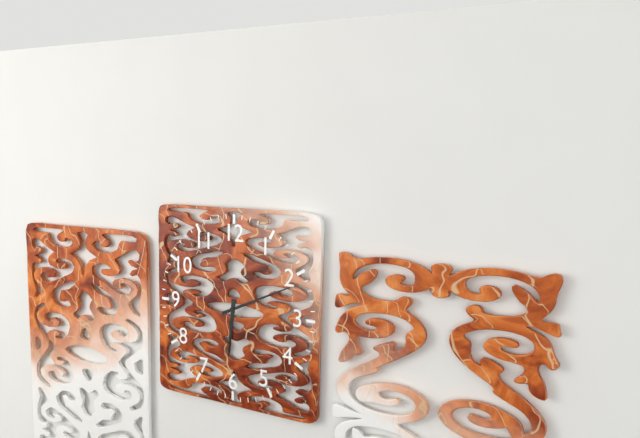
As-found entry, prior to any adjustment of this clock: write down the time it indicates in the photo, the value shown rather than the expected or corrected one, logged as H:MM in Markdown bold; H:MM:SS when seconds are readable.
**6:11**
